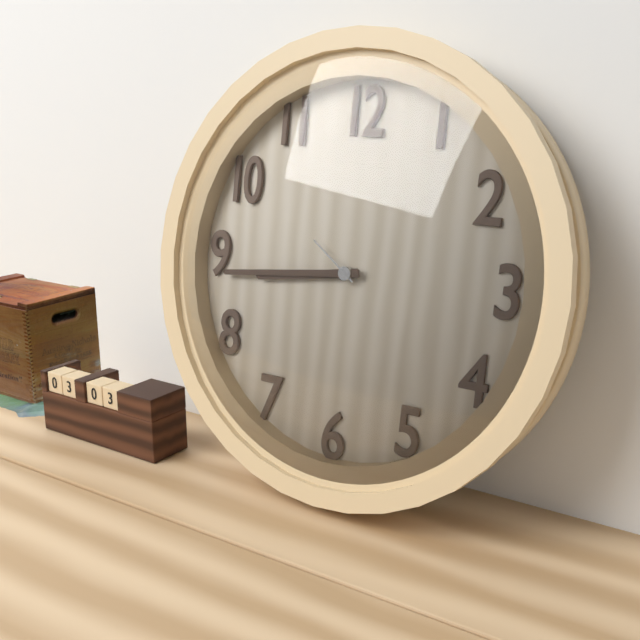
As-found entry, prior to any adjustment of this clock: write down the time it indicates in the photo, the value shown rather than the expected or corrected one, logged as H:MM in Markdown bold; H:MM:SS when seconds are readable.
**8:44:51**
